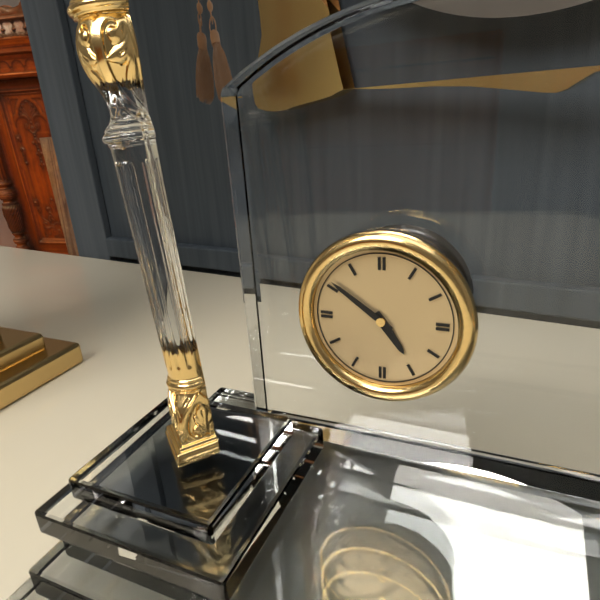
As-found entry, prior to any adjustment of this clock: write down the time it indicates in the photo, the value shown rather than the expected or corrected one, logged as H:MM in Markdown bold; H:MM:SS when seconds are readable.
**4:51**
